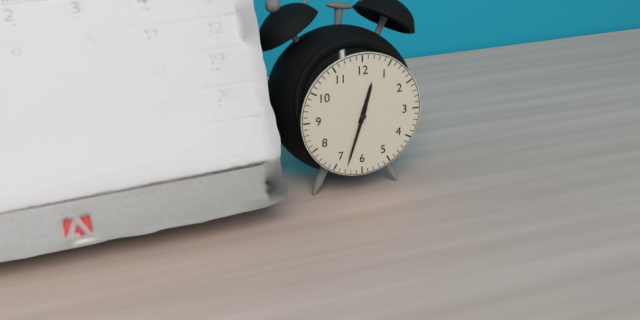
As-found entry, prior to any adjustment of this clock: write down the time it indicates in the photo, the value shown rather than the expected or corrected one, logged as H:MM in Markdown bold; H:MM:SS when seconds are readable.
**12:33**
